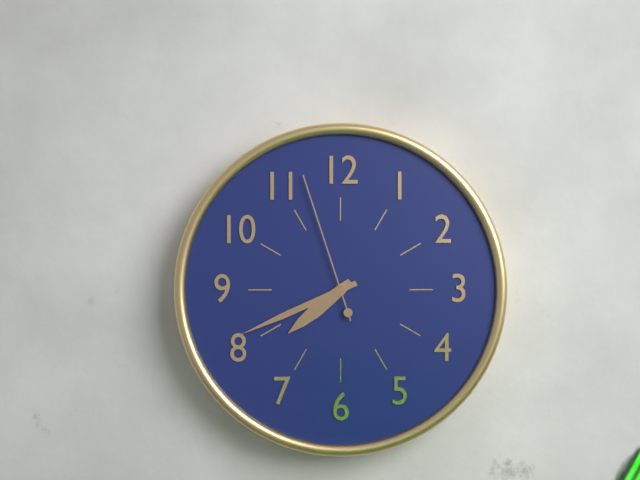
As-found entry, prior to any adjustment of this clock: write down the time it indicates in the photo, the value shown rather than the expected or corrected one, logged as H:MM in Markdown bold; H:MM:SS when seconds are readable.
**7:41:57**
